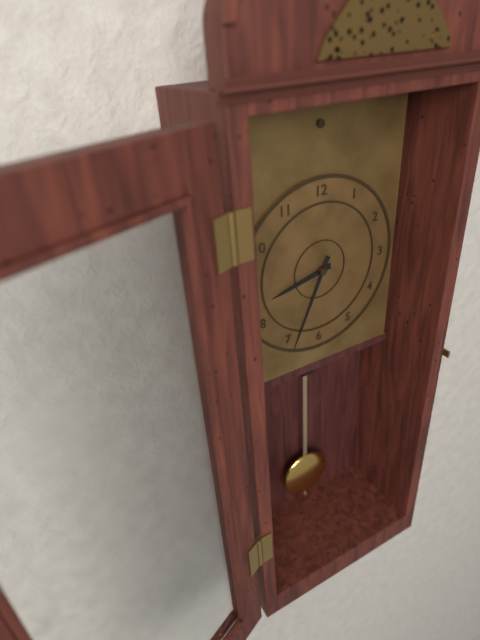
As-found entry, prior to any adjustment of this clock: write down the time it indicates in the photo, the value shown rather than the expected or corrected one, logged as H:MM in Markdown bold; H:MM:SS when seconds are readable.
**8:34**
